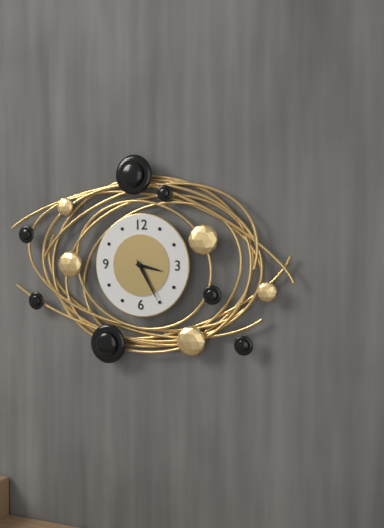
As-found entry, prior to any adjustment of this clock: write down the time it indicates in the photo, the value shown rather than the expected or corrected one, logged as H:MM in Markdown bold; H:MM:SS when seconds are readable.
**3:25**
